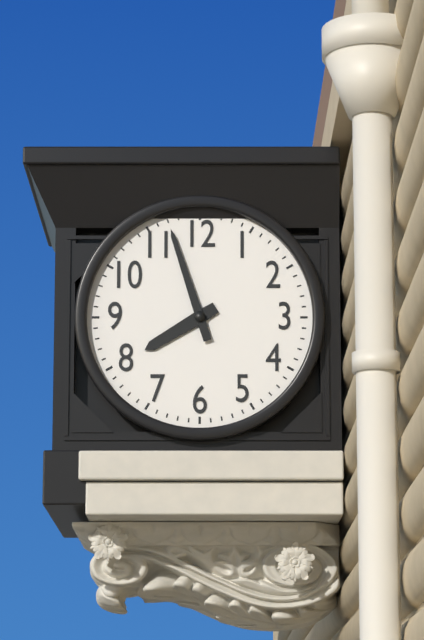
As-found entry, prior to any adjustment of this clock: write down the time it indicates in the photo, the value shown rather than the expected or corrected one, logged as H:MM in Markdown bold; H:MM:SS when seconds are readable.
**7:57**
